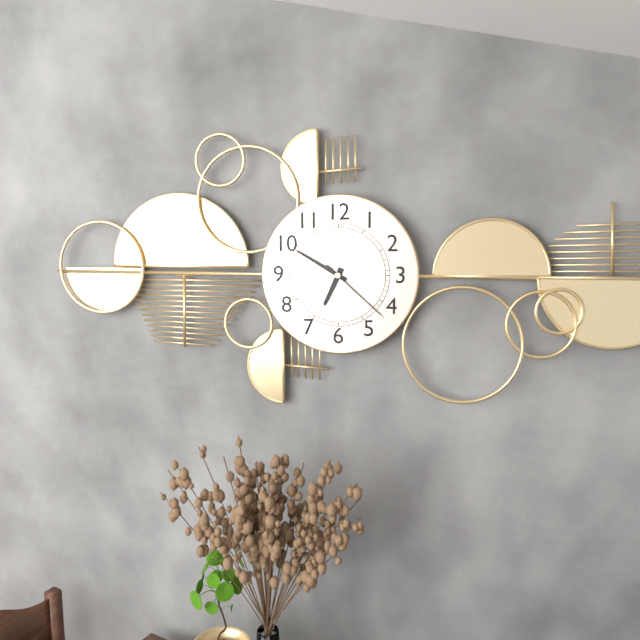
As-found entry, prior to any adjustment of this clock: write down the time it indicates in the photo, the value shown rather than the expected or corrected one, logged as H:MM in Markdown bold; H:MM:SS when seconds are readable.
**6:50:22**
